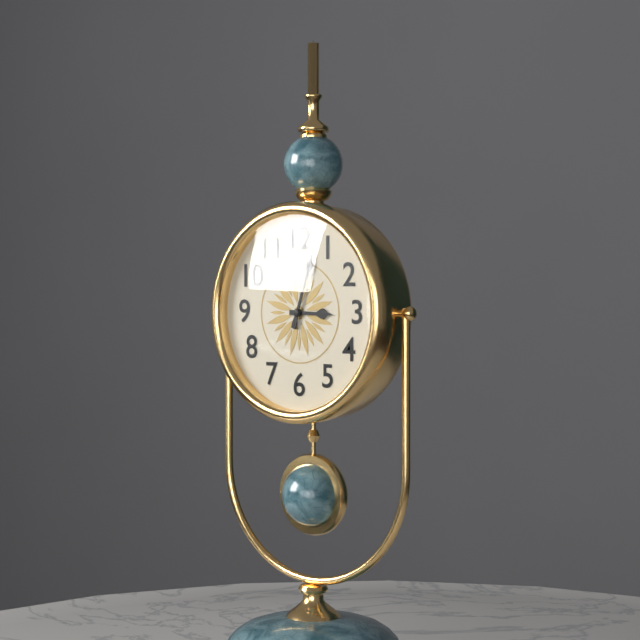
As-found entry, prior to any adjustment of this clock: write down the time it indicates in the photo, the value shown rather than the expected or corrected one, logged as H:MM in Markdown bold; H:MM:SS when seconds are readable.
**3:03**
